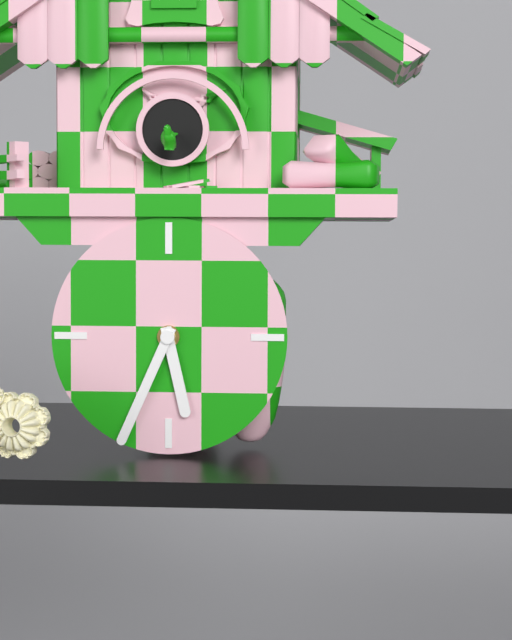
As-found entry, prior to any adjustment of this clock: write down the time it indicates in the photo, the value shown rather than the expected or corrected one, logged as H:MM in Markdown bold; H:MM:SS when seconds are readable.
**5:34**
